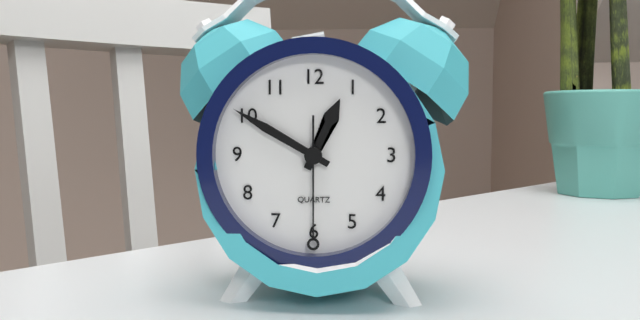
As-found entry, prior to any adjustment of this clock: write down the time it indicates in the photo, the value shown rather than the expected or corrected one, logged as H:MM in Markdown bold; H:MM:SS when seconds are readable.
**12:50:30**
